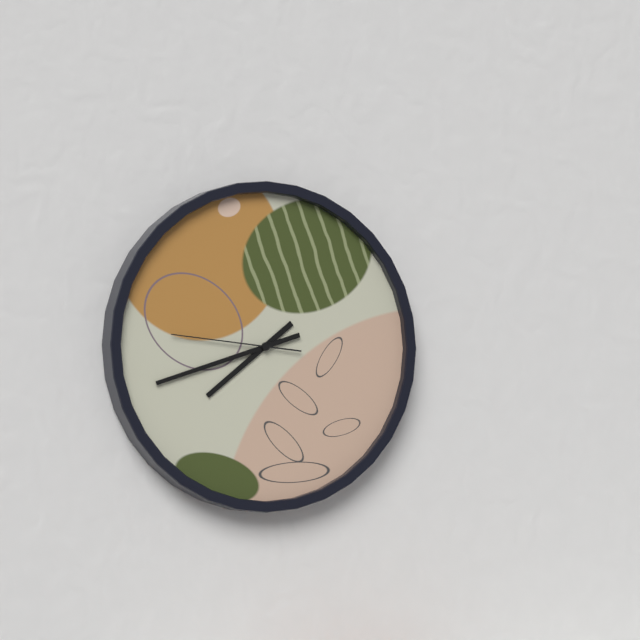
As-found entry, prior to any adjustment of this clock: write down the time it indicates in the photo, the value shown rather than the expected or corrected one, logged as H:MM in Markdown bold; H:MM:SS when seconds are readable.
**7:42:46**
